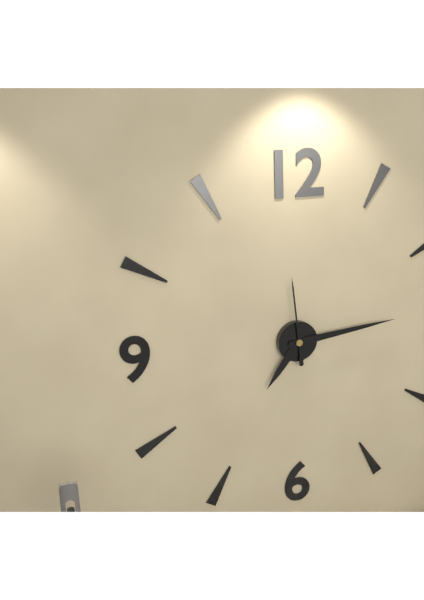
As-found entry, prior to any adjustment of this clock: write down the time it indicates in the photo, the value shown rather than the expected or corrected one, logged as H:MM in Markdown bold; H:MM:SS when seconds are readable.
**7:14:59**
